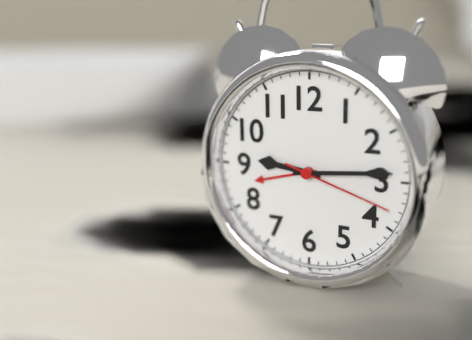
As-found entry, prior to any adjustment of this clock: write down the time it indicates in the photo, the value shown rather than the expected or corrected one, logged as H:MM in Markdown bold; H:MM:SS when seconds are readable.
**9:14:18**
